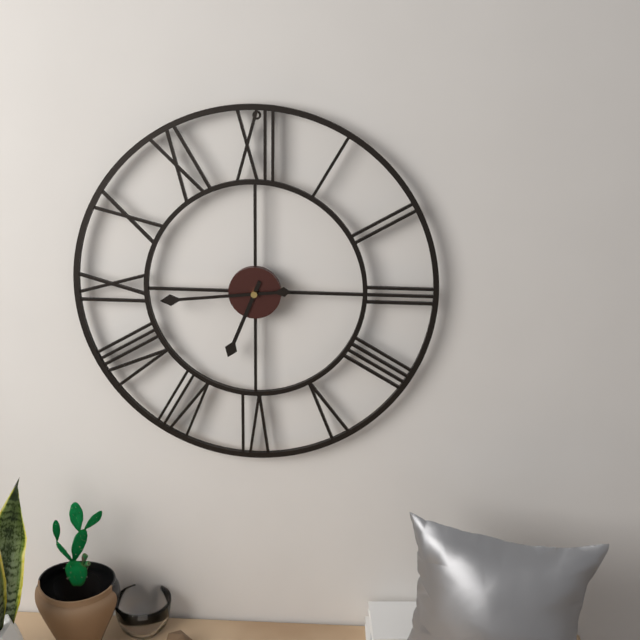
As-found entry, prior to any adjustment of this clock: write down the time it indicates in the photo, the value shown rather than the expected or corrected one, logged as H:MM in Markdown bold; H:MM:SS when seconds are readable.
**6:44**
